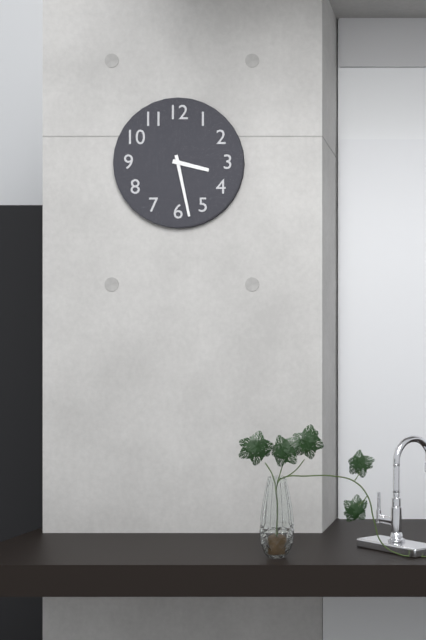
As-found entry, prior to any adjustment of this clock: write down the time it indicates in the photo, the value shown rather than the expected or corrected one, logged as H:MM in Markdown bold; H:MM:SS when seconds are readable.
**3:28**
